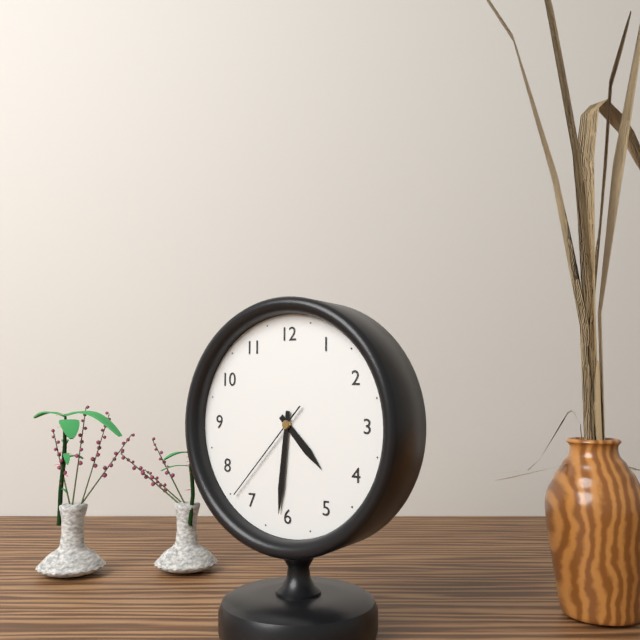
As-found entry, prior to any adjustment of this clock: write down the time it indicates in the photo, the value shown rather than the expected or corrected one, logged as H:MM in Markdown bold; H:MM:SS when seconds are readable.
**4:31:37**
